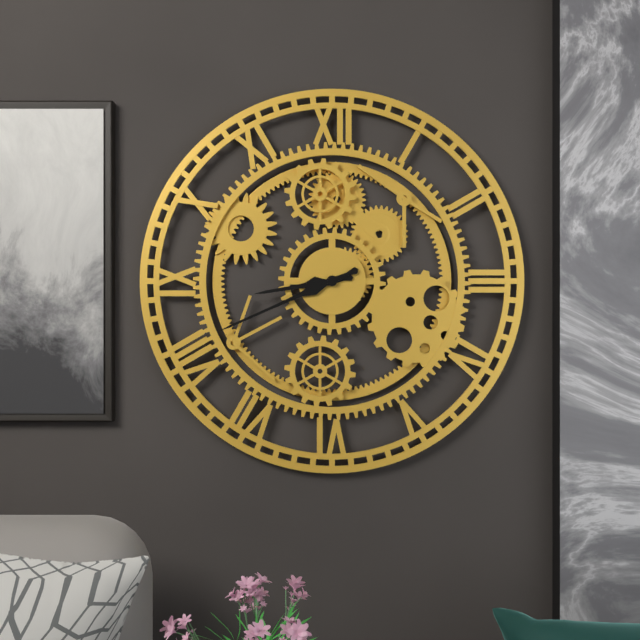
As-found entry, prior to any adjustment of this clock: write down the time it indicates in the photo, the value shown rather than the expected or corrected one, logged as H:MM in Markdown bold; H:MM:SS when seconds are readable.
**8:41**
